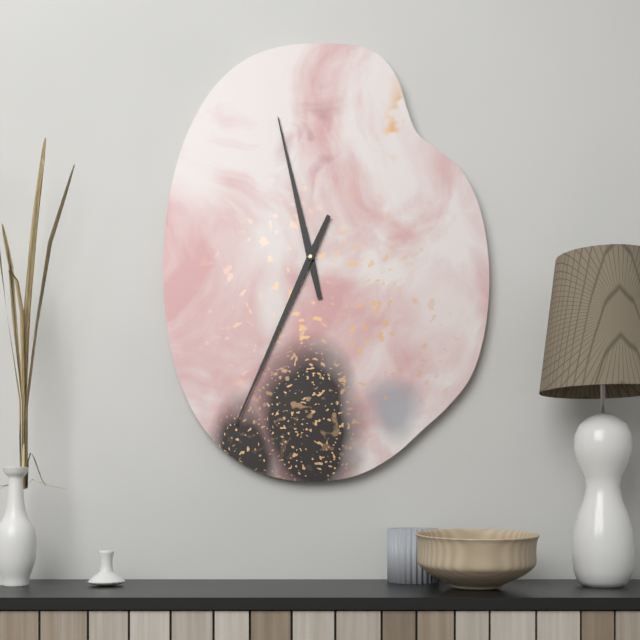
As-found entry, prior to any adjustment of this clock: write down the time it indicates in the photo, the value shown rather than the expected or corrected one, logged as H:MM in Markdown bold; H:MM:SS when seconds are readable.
**11:34**
